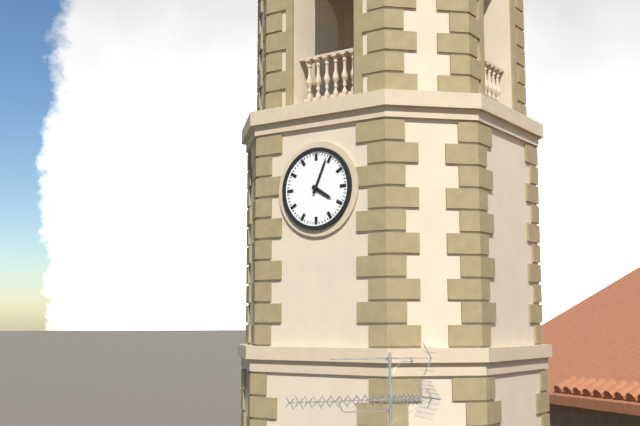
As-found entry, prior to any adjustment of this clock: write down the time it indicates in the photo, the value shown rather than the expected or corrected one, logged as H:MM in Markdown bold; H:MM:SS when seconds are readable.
**4:04**
